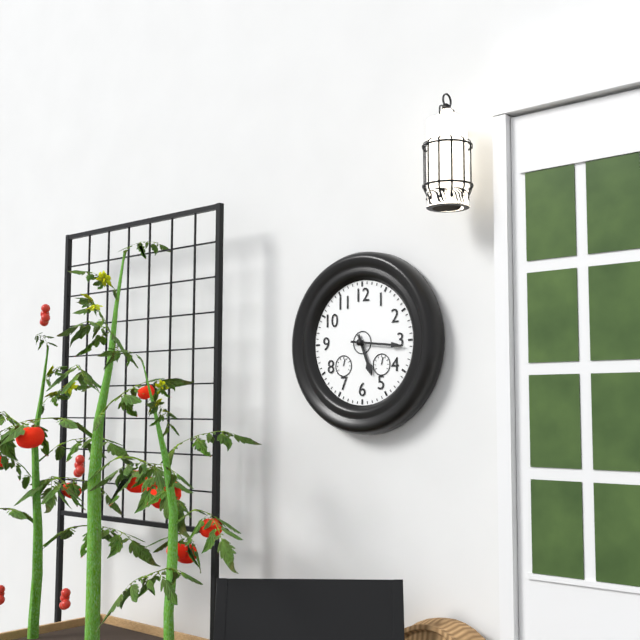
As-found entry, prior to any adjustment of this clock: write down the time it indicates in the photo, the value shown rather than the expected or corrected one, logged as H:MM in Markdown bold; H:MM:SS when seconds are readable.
**5:16**
